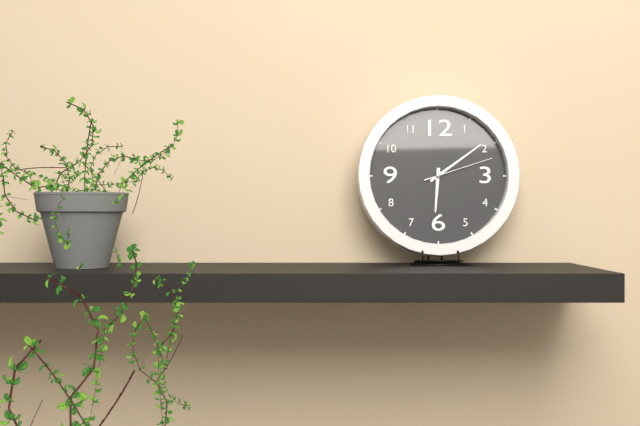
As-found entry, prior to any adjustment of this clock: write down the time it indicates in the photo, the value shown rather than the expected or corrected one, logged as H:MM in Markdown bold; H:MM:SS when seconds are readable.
**6:09:12**
